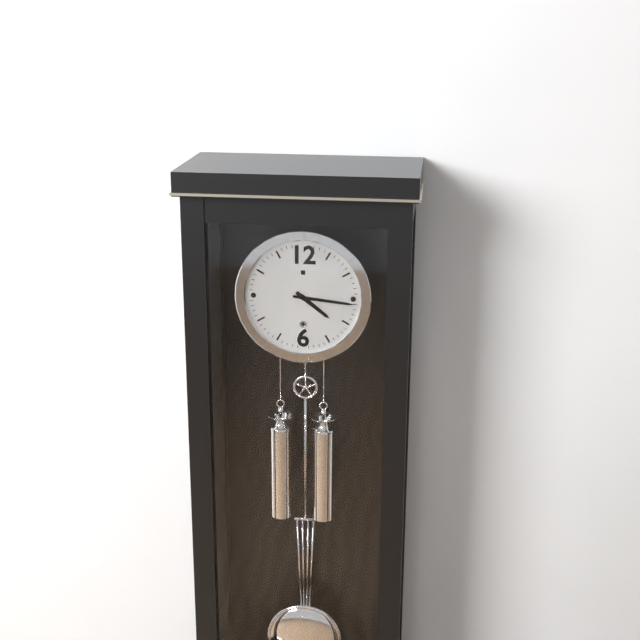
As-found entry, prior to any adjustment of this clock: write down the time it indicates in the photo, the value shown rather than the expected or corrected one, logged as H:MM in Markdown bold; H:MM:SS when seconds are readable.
**4:16**
